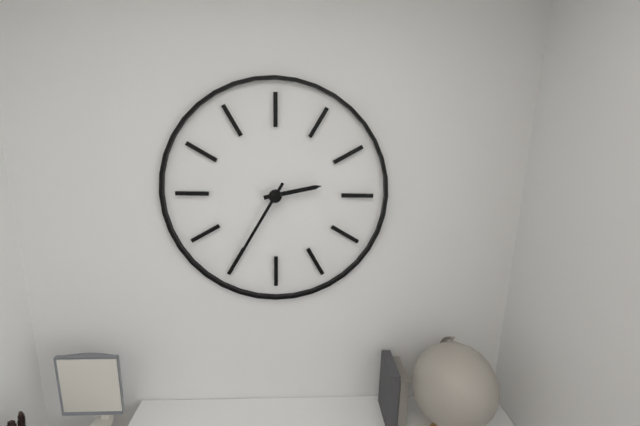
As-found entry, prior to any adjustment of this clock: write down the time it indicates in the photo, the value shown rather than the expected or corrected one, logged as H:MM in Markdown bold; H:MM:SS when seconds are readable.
**2:35**
